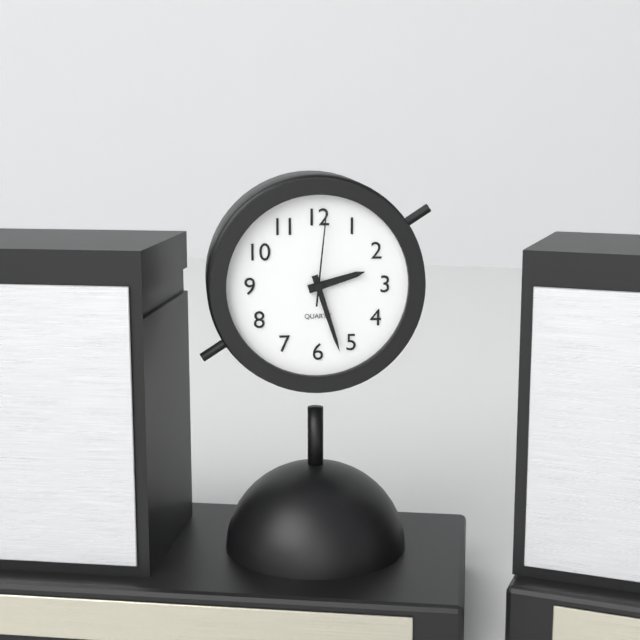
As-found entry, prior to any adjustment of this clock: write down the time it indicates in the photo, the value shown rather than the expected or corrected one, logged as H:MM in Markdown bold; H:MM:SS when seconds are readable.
**2:27:01**
